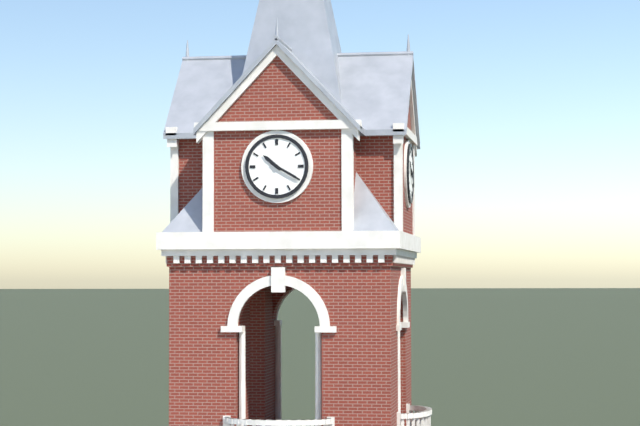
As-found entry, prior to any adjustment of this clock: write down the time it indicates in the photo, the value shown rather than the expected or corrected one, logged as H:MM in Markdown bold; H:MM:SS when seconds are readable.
**10:20**
